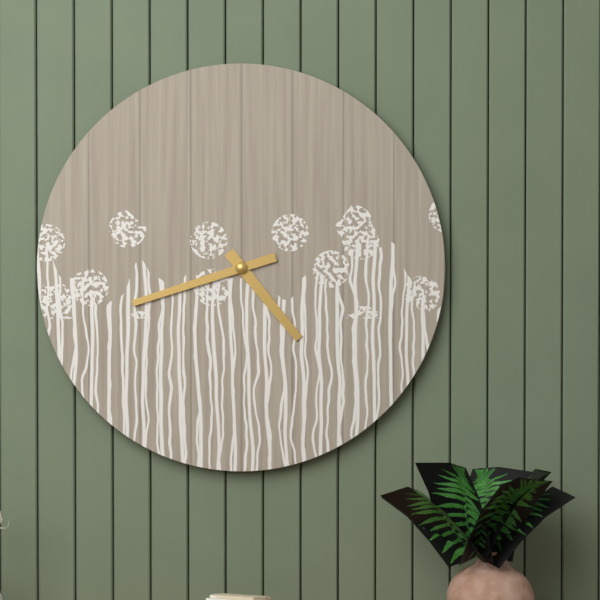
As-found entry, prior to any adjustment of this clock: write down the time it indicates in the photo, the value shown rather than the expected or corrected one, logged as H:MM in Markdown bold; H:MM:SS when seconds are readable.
**4:42**
